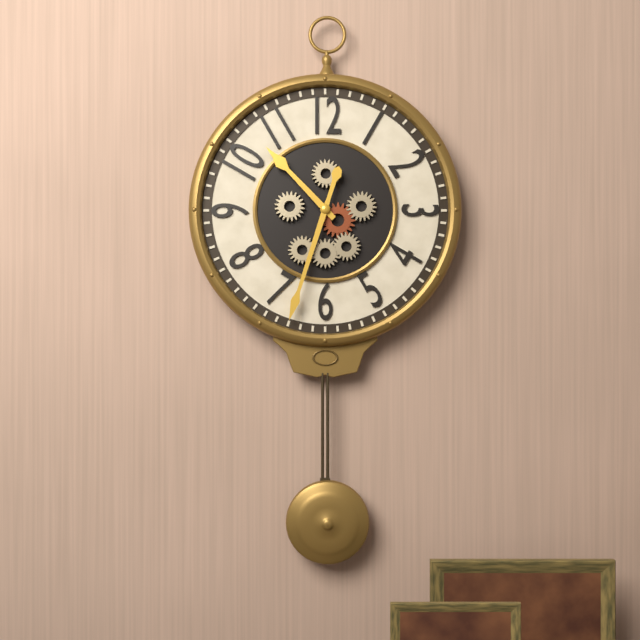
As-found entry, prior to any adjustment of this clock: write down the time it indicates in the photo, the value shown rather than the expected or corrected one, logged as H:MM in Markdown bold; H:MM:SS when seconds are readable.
**10:33**
